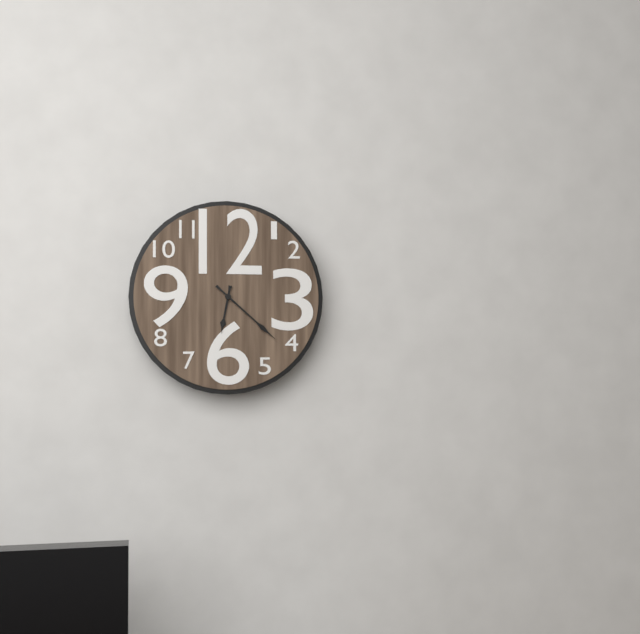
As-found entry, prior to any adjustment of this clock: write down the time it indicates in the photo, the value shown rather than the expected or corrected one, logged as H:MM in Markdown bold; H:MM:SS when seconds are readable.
**6:22**
